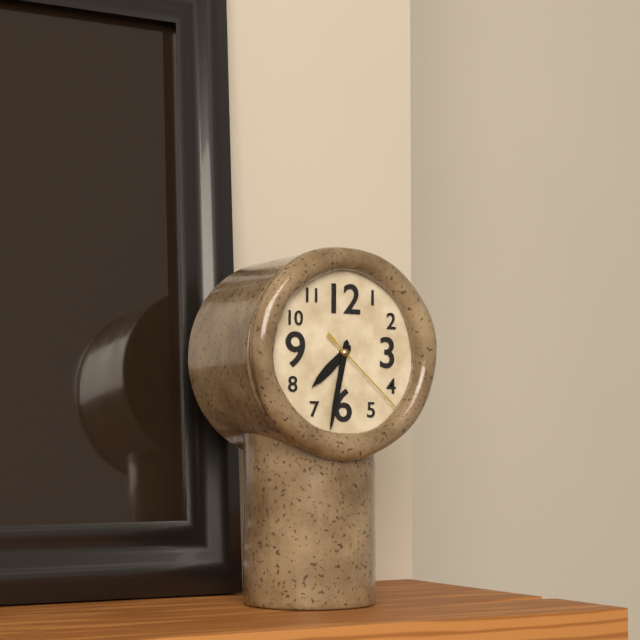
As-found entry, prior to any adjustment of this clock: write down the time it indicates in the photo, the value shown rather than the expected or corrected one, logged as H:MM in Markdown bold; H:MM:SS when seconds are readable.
**7:32:22**
